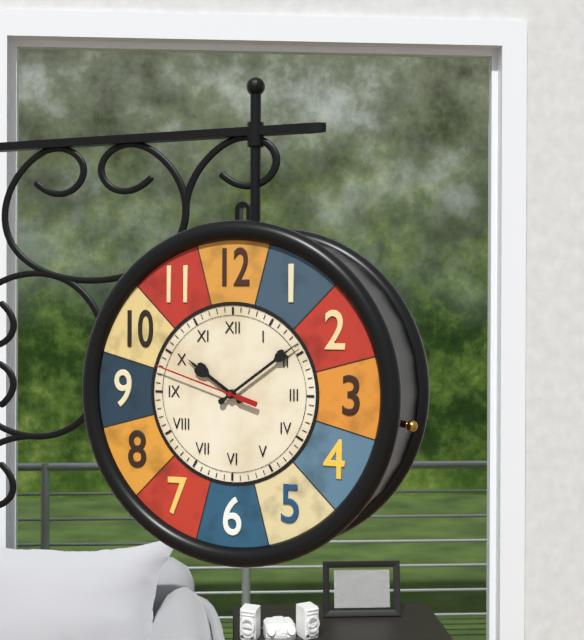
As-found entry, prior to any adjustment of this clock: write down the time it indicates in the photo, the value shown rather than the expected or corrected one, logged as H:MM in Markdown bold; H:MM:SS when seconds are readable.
**10:09:48**
